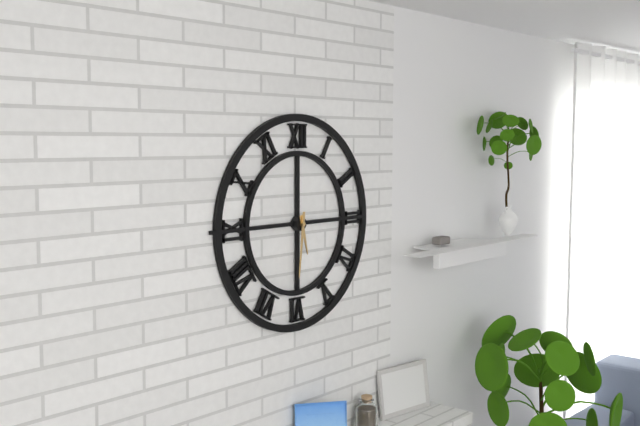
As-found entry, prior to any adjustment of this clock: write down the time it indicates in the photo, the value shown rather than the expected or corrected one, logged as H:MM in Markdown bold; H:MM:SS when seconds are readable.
**5:31**
